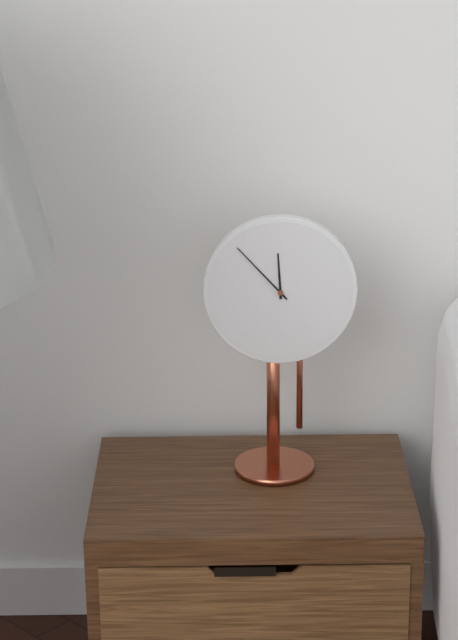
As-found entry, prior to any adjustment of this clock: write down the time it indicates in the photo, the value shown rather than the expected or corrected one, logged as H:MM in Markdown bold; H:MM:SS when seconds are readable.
**11:53**
